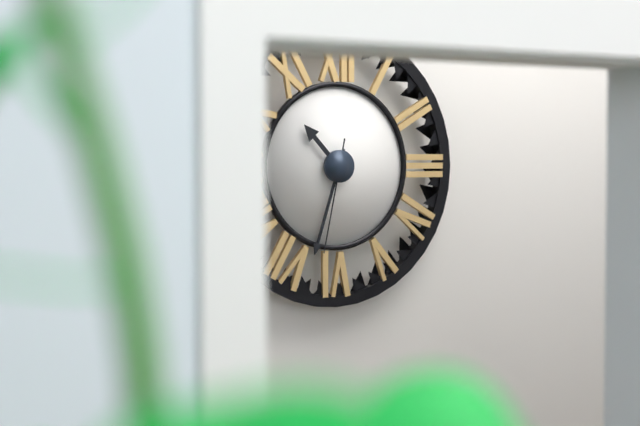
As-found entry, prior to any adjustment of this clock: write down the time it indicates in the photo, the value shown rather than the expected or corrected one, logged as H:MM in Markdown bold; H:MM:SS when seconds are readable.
**10:33:32**
